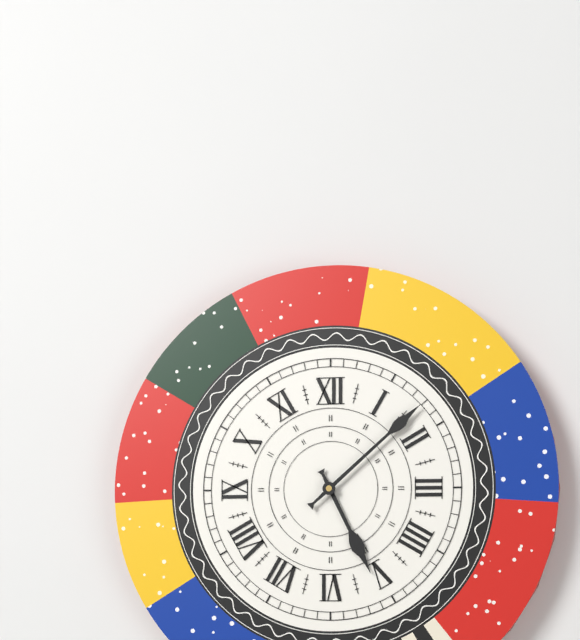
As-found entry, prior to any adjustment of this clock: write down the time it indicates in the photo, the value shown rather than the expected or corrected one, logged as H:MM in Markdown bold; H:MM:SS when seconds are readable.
**5:08**
